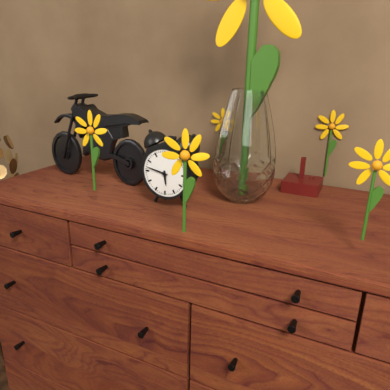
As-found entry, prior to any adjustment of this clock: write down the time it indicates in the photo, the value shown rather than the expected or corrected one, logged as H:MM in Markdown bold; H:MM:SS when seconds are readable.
**5:47**
